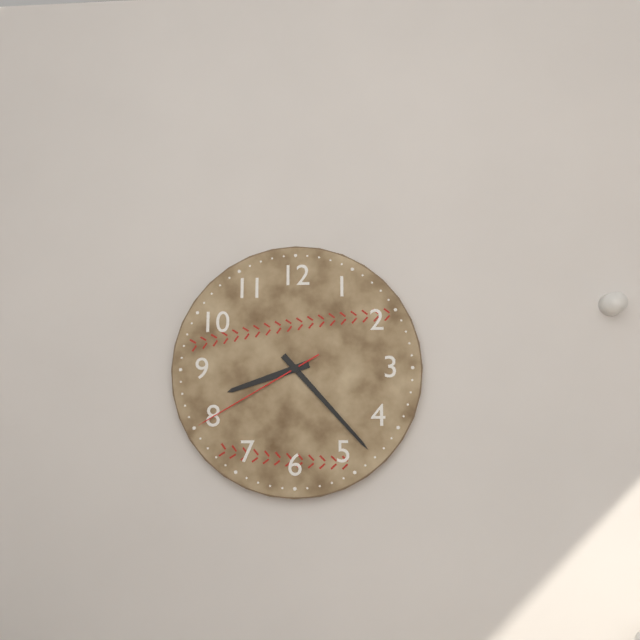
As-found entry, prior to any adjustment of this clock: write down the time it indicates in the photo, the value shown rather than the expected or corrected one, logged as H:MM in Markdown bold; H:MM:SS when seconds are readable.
**8:23:40**
